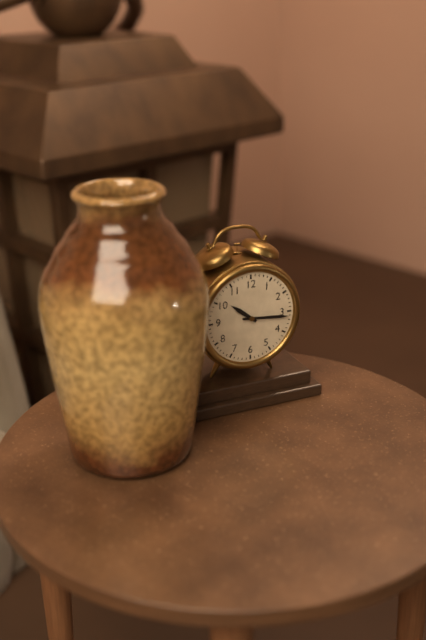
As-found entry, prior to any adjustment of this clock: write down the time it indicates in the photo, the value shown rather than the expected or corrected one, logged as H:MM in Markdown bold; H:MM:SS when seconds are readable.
**10:16**
